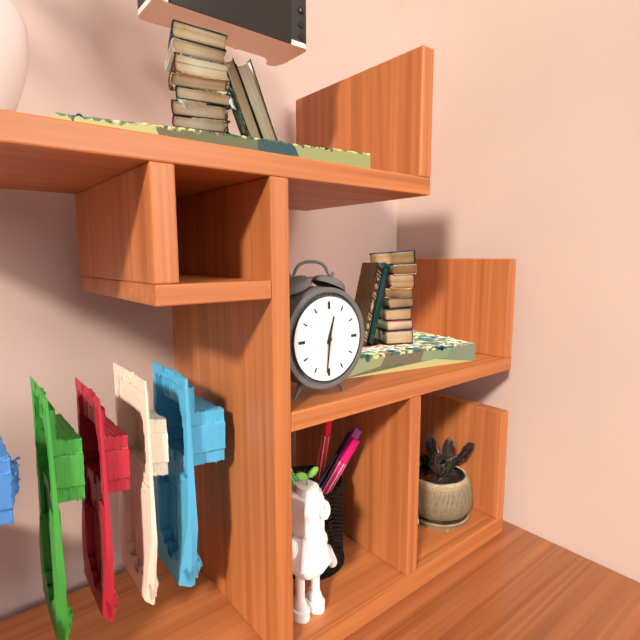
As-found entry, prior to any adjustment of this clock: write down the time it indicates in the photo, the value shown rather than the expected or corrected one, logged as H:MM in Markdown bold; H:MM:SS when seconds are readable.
**12:31**
